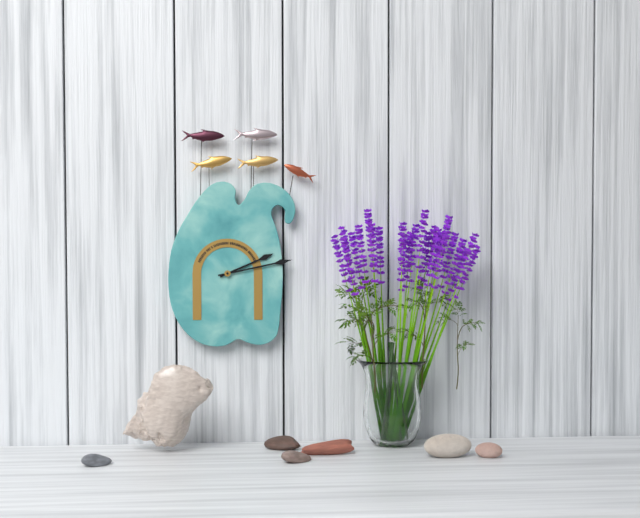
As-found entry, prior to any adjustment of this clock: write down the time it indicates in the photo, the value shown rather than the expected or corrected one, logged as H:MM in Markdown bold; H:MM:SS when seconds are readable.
**2:13**
